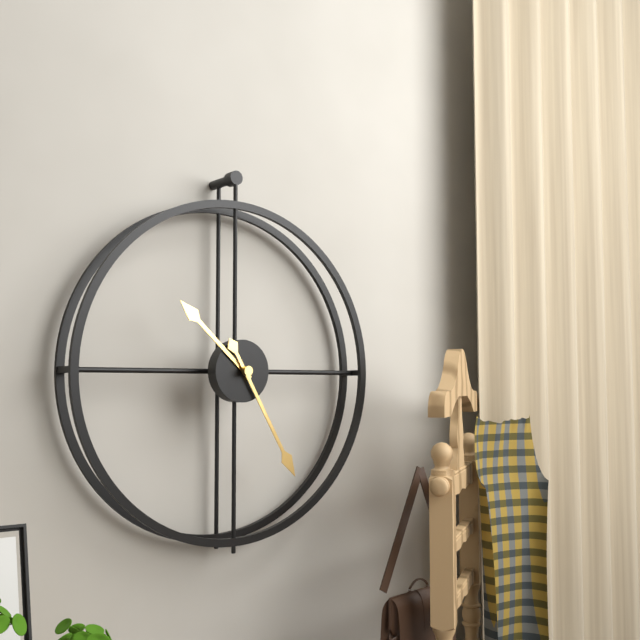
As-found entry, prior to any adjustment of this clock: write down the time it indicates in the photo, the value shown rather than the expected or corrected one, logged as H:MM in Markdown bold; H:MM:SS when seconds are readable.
**10:25**
